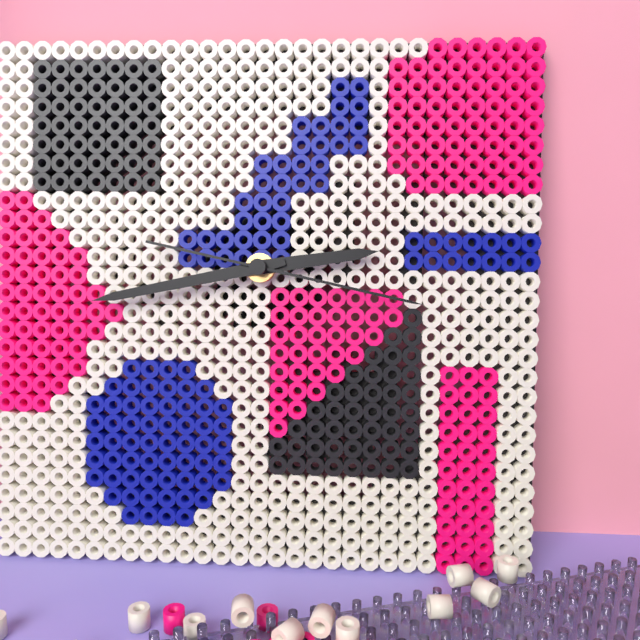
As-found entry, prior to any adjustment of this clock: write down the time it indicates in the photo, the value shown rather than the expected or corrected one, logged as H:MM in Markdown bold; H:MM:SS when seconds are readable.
**2:43:17**
